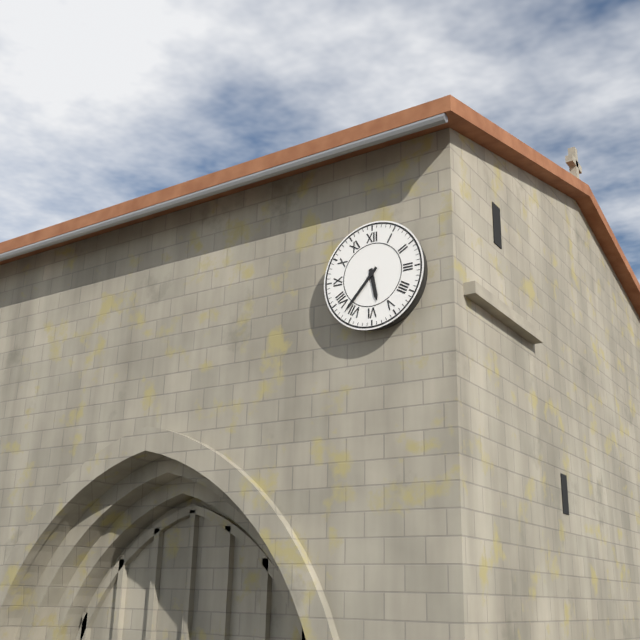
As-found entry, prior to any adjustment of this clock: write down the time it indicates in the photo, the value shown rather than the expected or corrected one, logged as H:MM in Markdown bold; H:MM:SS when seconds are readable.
**5:37**
